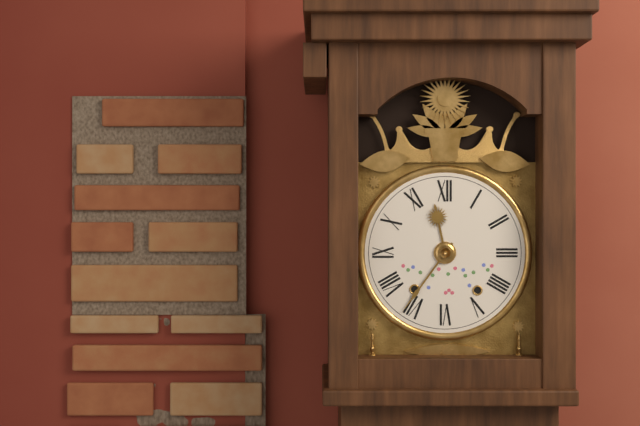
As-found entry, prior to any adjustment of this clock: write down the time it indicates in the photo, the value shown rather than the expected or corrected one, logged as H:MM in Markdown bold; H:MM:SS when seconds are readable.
**11:36**
